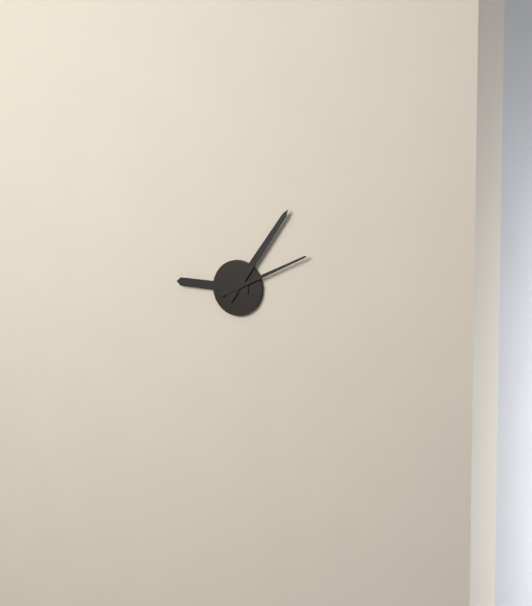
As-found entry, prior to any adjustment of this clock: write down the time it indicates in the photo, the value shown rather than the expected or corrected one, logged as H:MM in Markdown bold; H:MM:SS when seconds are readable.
**9:06:11**
